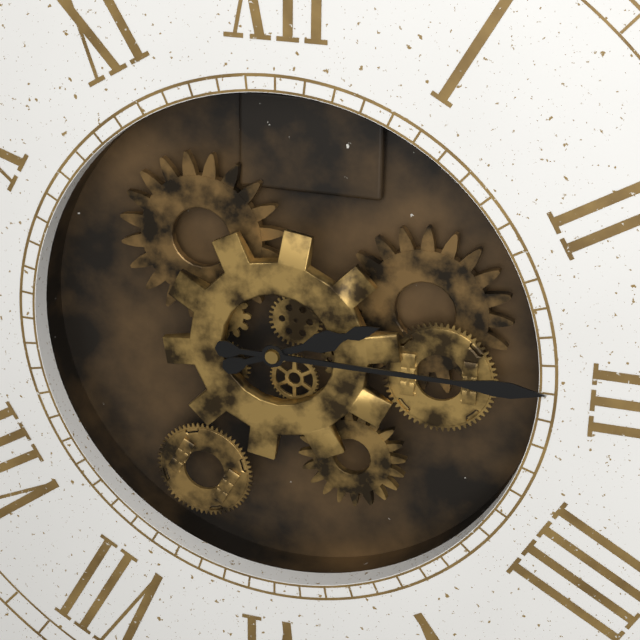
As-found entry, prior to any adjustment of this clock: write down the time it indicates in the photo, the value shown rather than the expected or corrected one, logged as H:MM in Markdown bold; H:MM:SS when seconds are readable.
**2:15**
